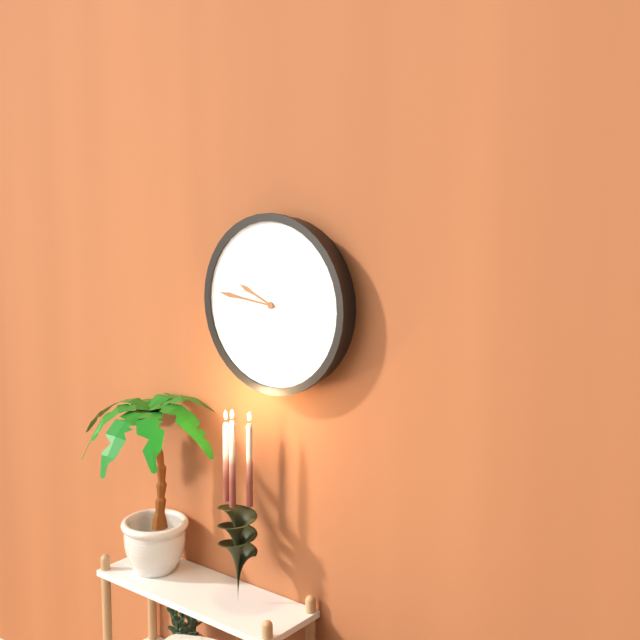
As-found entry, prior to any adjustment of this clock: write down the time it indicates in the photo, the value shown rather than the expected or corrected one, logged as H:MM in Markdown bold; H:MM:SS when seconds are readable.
**9:46**
